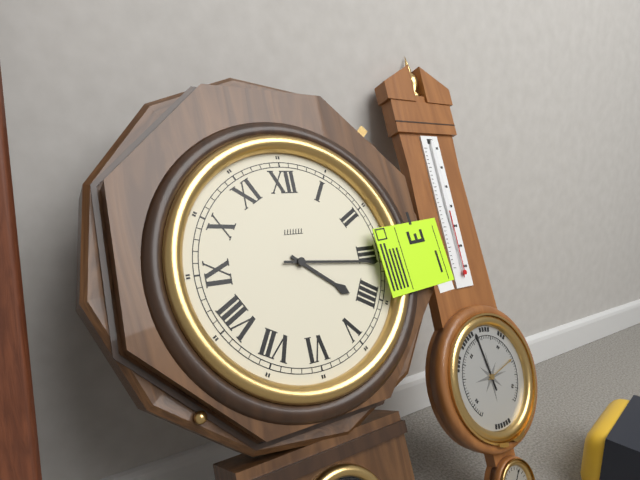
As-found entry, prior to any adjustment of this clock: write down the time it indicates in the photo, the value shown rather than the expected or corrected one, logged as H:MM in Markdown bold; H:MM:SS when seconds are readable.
**4:16**
